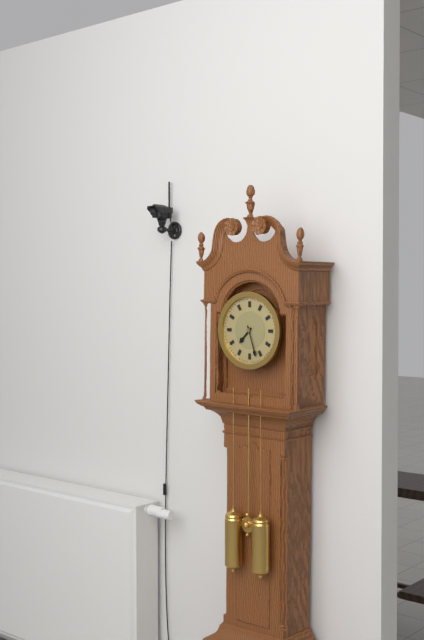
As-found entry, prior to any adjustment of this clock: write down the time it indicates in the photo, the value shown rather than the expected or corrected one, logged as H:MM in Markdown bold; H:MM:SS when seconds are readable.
**7:27**
